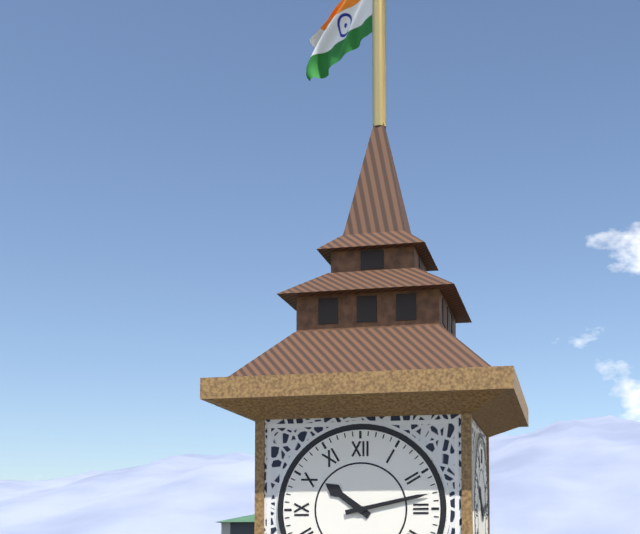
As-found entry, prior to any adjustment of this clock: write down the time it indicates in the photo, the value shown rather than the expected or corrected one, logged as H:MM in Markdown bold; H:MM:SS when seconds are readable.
**10:13**
